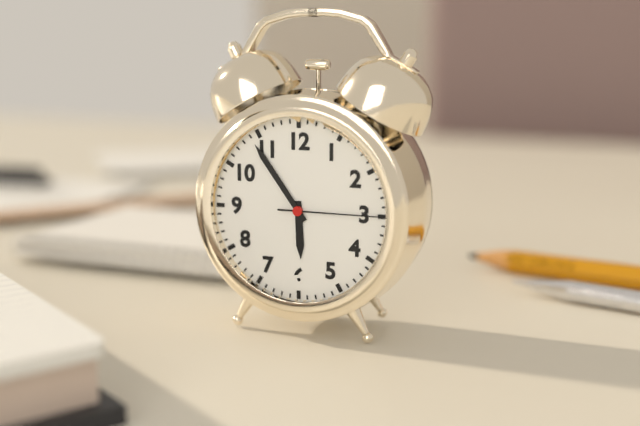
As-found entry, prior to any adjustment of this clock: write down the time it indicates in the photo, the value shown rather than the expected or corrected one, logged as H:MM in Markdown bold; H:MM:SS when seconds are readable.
**5:54:15**
